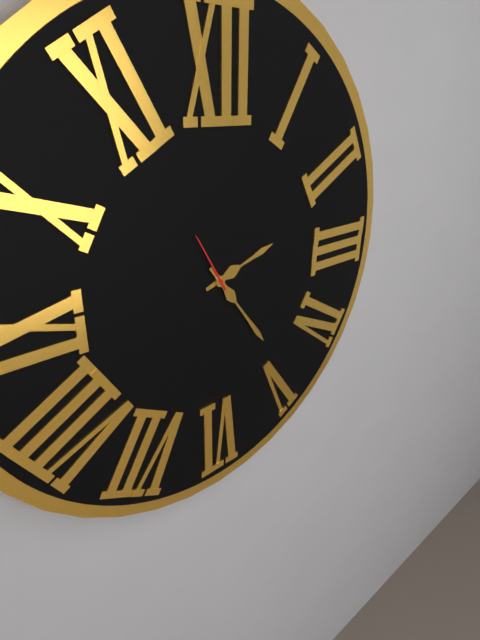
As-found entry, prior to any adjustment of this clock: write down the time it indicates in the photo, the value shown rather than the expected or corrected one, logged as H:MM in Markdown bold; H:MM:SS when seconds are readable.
**2:24:55**
